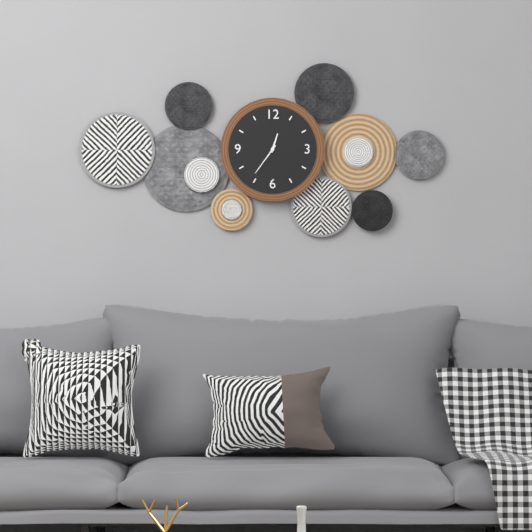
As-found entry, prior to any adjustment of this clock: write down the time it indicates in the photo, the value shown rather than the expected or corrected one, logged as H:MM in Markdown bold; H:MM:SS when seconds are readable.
**12:36**
